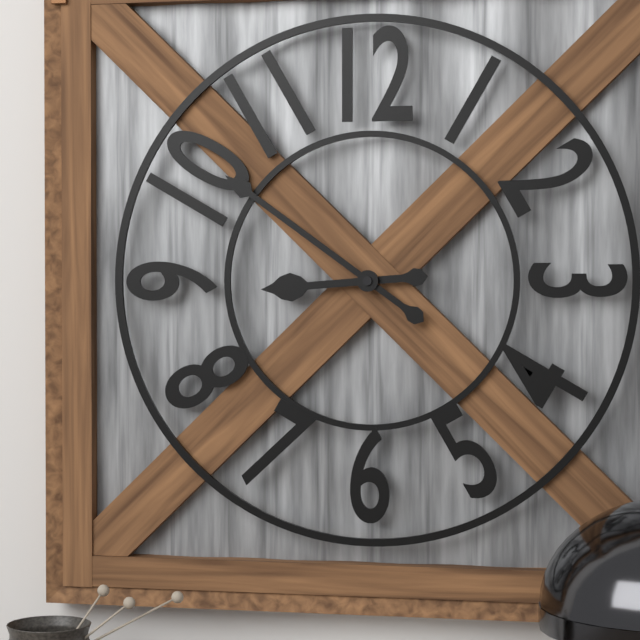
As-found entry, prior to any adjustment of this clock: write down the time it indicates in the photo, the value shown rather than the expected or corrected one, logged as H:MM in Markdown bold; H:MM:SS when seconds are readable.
**8:51**
